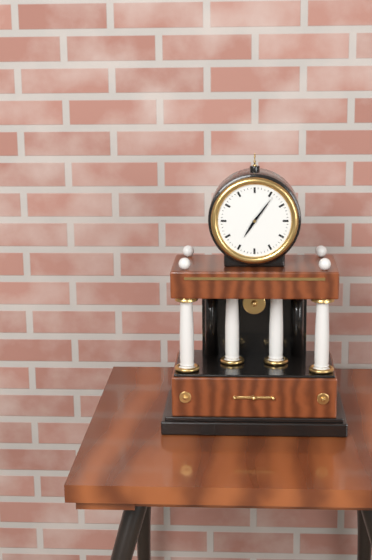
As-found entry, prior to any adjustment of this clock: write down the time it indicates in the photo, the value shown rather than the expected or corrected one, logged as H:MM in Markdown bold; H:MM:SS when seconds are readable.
**7:06**
